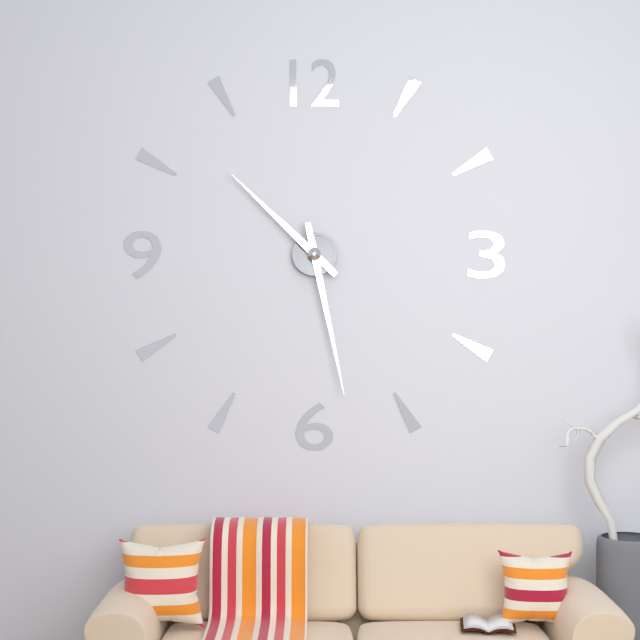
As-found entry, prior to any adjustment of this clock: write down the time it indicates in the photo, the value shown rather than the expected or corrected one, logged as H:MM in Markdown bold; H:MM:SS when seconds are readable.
**10:28**
